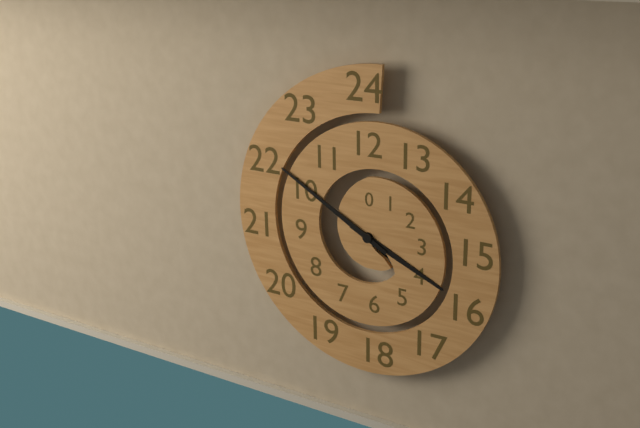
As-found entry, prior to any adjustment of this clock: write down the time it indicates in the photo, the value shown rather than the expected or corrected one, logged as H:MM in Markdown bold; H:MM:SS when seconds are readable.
**3:50**
